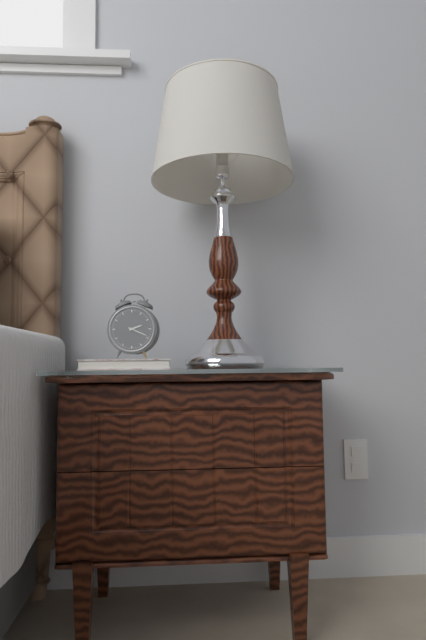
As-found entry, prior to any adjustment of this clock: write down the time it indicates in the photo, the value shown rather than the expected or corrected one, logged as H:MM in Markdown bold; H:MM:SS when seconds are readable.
**2:19**
